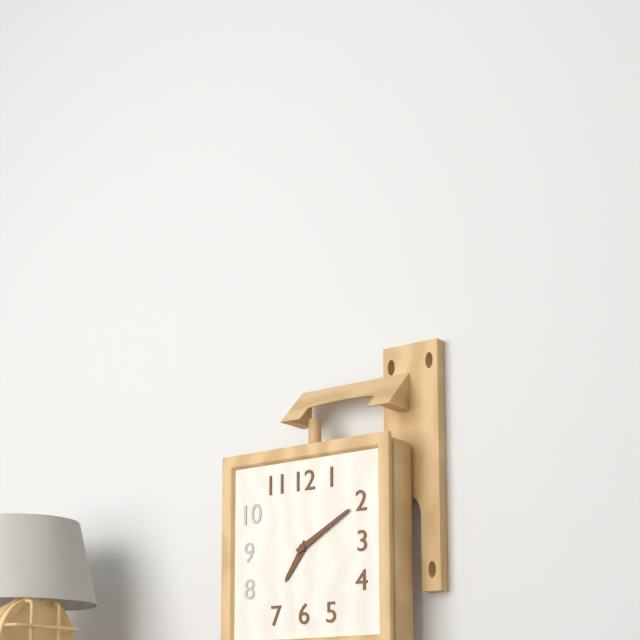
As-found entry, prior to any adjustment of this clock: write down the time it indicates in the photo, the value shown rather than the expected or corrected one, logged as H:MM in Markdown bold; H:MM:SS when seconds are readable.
**7:10**
